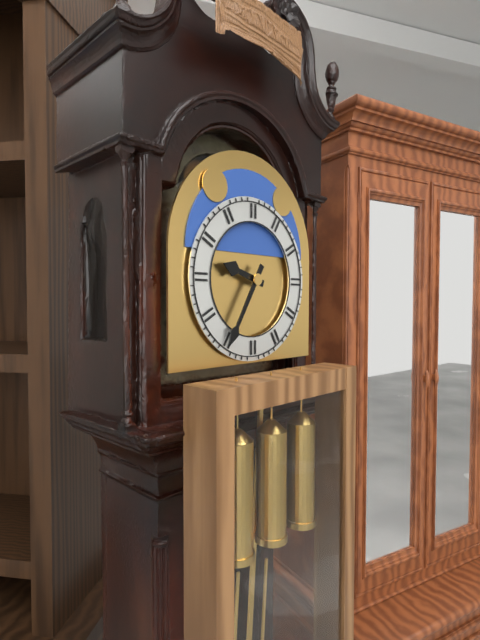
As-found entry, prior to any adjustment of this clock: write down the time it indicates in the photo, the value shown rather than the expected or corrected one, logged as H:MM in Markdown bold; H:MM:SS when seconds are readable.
**9:35**
